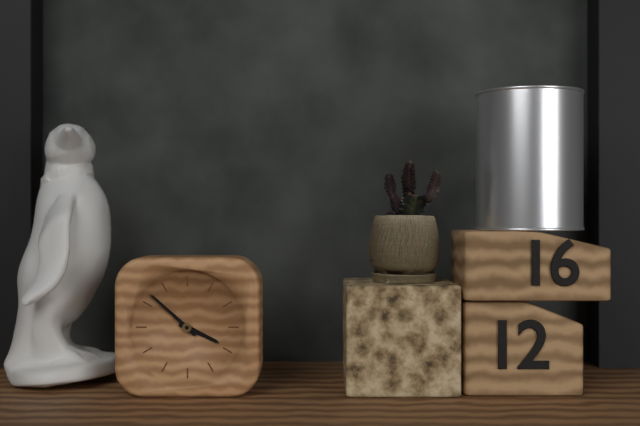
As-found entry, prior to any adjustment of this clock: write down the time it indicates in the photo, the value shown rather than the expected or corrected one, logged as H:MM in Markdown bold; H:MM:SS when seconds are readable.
**3:52**
